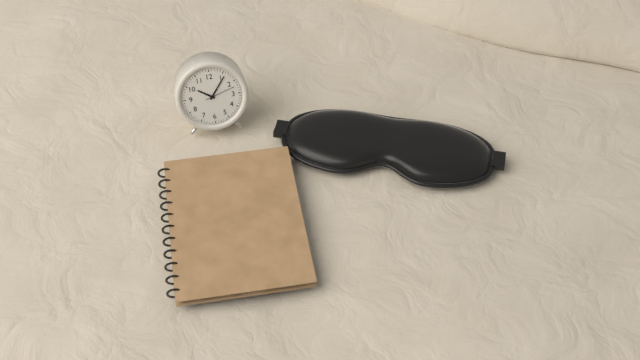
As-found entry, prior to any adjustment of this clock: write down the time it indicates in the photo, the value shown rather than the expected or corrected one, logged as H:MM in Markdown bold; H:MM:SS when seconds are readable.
**10:06**
